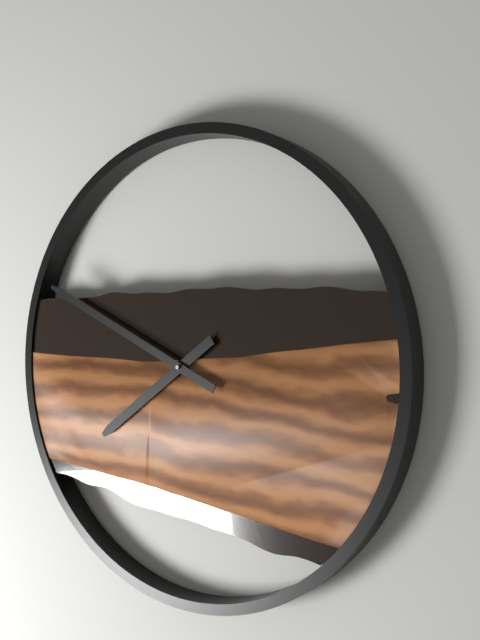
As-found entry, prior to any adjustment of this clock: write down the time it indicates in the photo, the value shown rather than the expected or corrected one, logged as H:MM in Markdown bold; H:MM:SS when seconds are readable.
**7:49**
